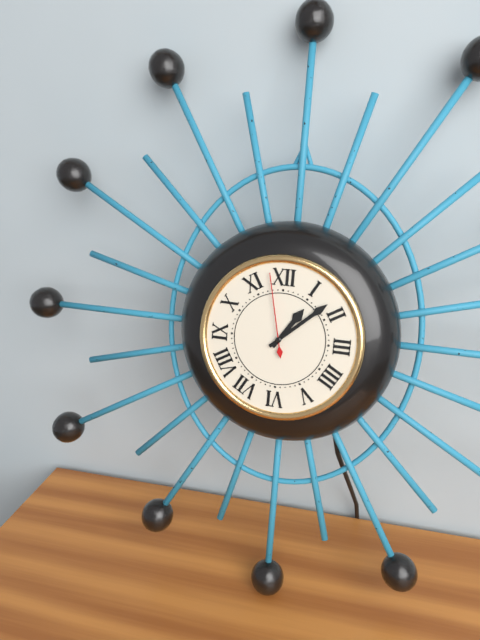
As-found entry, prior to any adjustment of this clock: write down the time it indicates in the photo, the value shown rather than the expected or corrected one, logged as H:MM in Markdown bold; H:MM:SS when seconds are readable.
**1:08:58**
